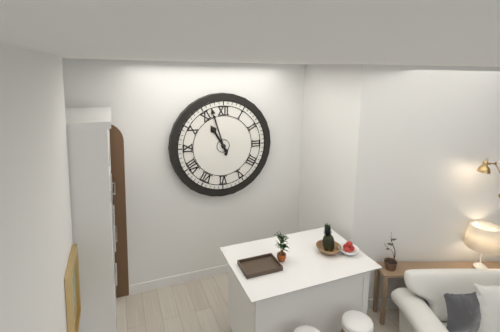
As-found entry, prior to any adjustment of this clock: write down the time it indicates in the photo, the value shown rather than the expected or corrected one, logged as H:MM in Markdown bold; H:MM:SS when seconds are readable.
**10:57**
